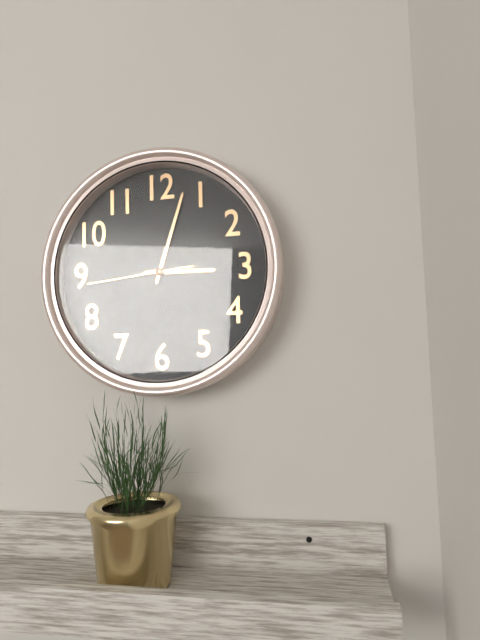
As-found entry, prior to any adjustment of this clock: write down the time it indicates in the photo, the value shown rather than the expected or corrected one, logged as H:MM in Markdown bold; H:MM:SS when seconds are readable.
**3:03:44**
